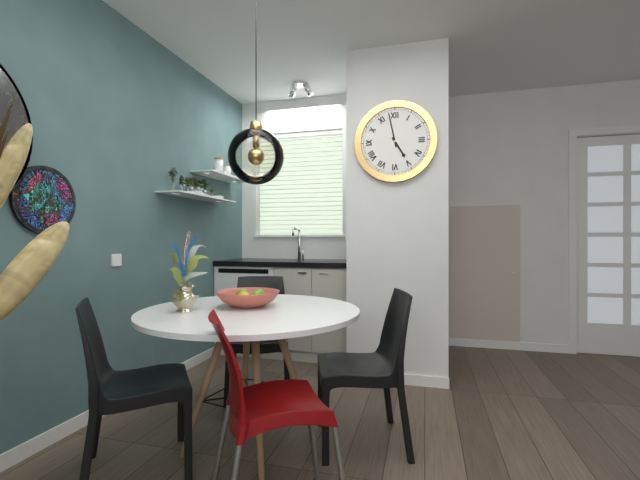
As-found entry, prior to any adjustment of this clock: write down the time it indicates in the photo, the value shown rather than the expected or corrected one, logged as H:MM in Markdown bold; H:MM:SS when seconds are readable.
**4:58**
